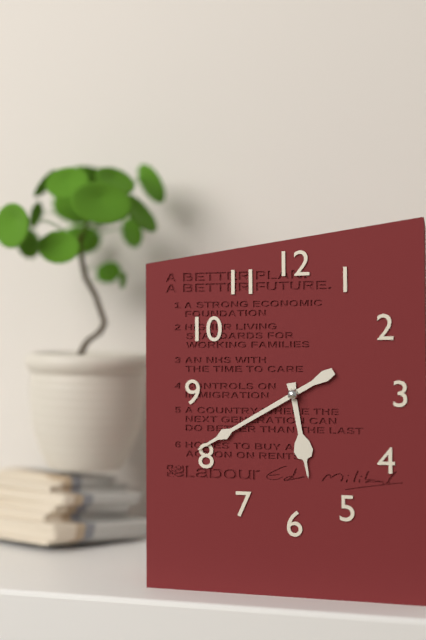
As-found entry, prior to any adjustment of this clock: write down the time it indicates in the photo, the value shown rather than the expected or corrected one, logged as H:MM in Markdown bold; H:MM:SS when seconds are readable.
**5:40**
